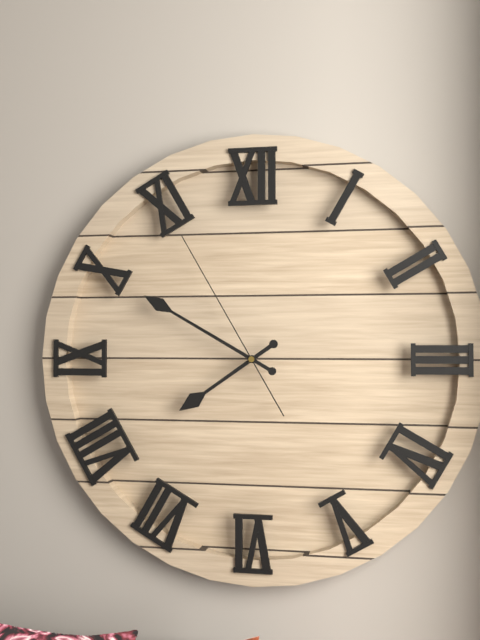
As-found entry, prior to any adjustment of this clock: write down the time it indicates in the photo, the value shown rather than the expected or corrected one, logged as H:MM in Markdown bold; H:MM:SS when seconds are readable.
**7:50:55**
